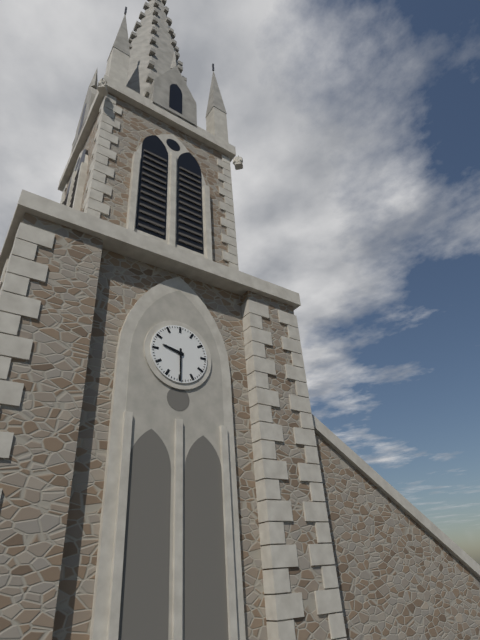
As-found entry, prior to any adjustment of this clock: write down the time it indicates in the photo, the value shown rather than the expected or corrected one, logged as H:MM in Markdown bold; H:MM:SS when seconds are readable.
**9:30**
